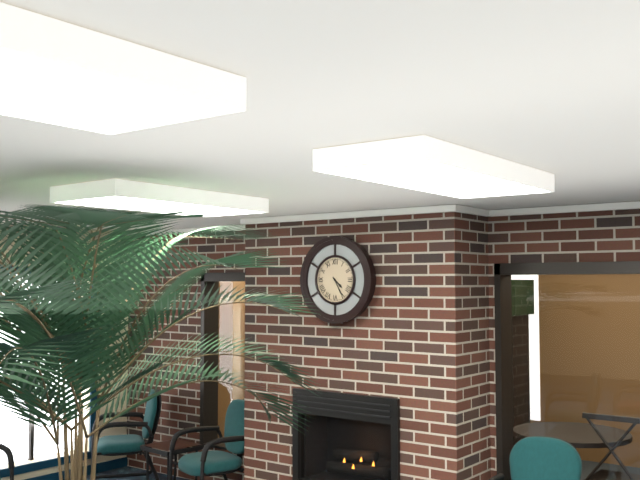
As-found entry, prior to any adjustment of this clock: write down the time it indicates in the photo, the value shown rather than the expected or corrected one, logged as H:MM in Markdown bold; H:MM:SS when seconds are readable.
**4:25**
